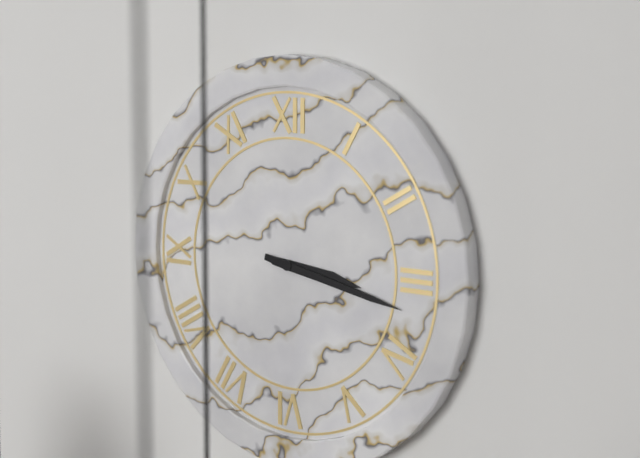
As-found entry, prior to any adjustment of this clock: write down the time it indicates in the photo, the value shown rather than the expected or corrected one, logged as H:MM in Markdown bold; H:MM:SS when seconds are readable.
**3:17**
